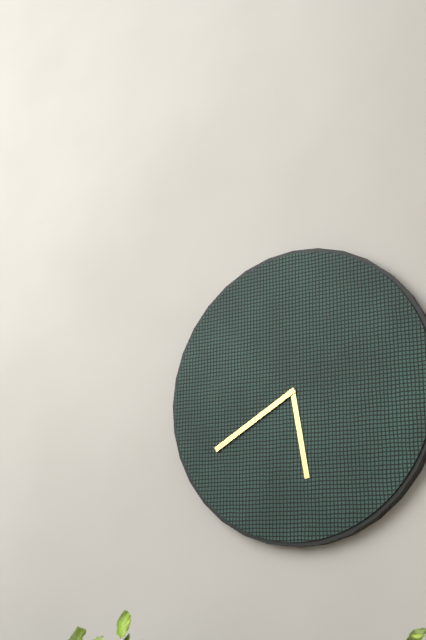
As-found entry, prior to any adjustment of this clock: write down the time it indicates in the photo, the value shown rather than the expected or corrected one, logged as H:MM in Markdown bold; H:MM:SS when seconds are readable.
**5:40**
